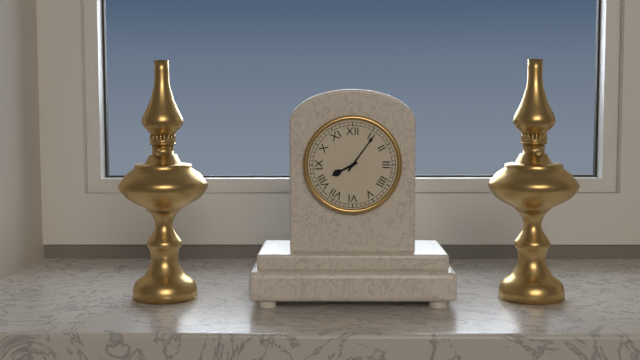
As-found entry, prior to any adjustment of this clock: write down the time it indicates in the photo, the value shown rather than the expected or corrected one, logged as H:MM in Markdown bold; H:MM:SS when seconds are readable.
**8:06**
